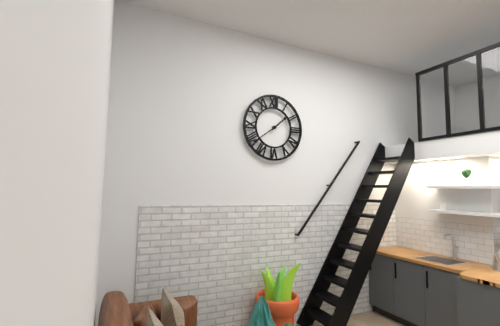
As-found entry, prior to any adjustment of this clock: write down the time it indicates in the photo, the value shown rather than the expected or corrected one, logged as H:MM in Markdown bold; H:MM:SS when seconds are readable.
**1:39**
